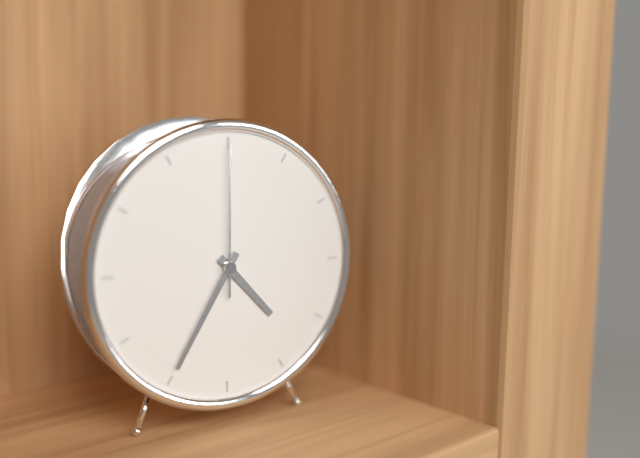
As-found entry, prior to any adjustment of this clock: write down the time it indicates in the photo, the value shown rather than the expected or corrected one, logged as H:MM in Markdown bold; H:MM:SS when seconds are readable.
**4:35:00**
